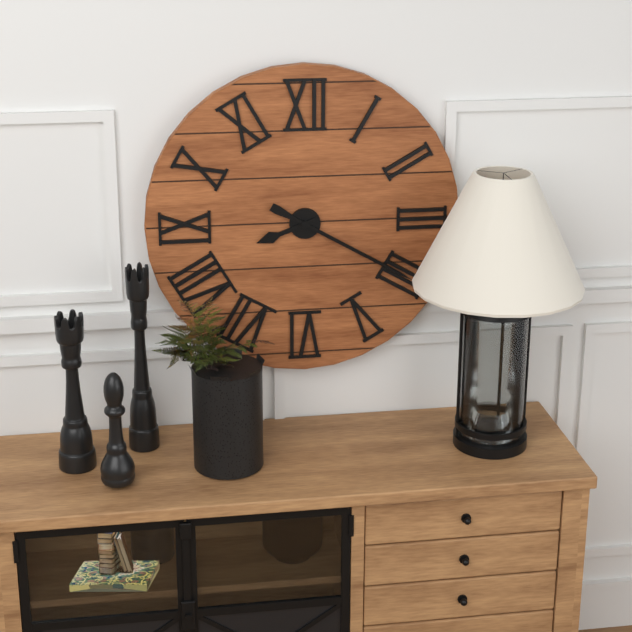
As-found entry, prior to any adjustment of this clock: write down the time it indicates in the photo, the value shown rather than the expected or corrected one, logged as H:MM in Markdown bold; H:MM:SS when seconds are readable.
**8:20**
